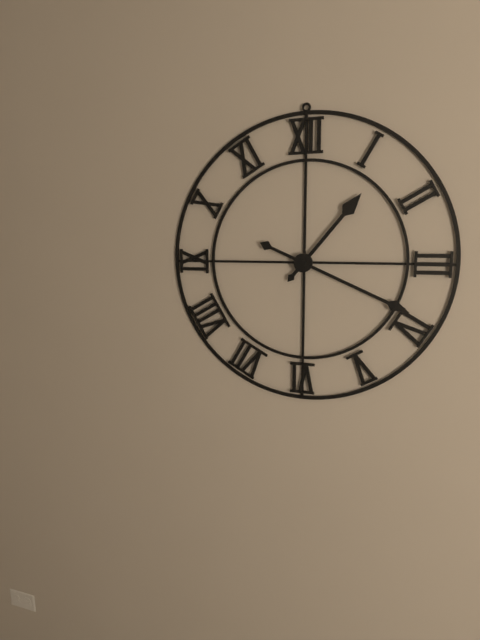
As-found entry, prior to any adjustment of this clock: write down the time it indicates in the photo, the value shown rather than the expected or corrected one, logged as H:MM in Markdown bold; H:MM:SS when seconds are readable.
**1:19**
